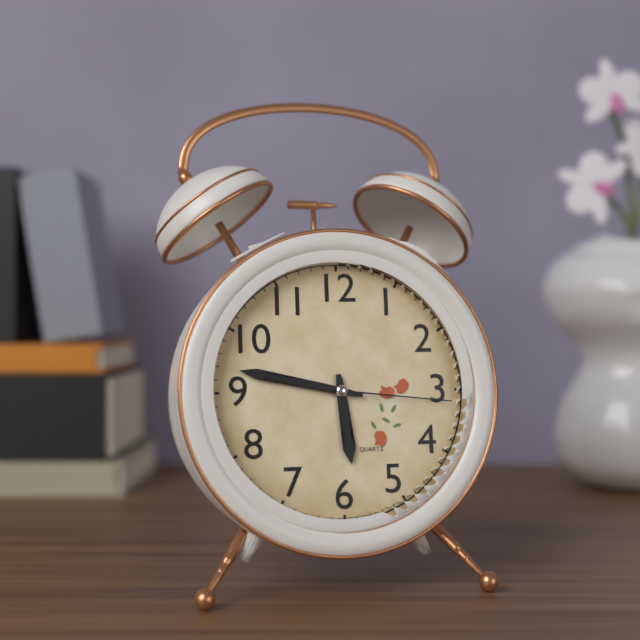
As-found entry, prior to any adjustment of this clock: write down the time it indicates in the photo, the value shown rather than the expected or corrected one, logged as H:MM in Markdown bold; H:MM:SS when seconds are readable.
**5:47:16**
